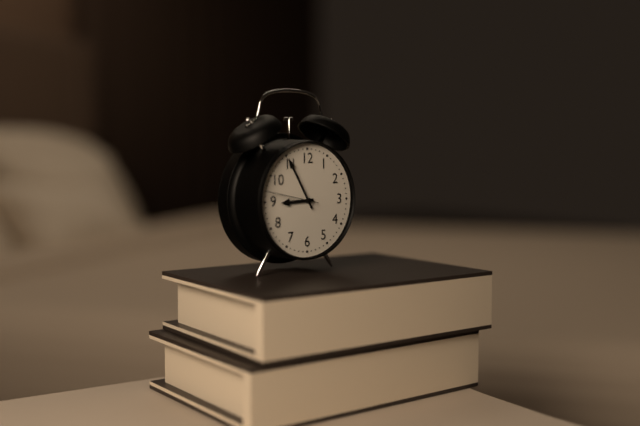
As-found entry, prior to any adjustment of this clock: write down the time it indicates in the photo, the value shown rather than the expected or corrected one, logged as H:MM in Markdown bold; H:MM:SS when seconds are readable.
**8:55**
